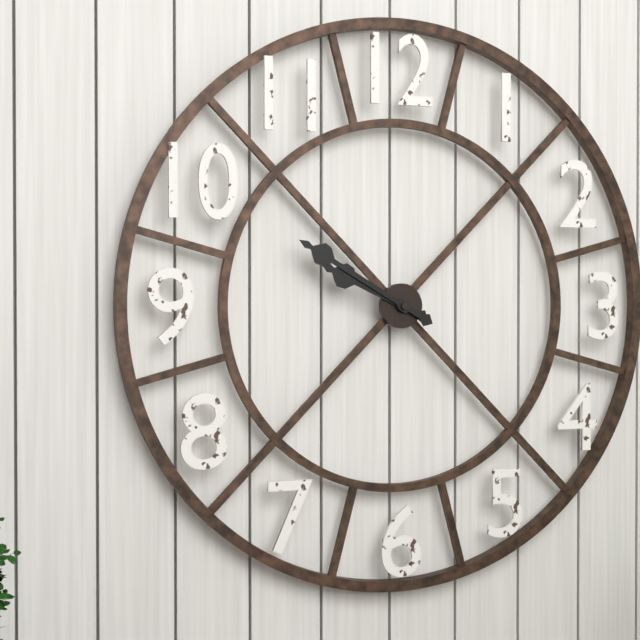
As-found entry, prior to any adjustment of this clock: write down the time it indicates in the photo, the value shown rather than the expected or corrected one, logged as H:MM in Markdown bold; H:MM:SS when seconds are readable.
**9:50**
